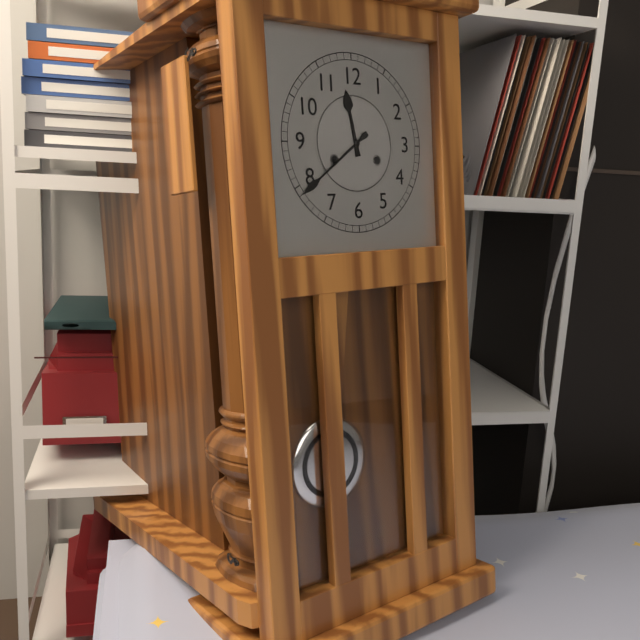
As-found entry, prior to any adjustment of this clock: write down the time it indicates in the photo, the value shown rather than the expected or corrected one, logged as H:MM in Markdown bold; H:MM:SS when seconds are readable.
**11:39**
